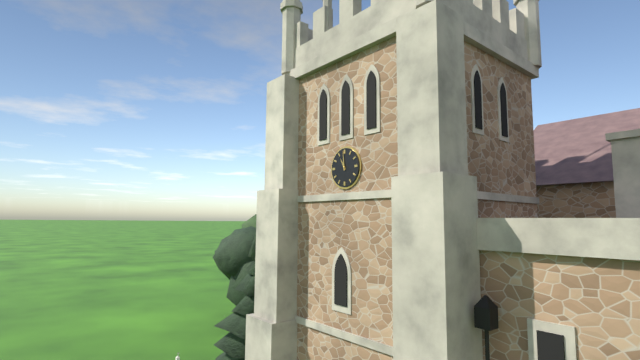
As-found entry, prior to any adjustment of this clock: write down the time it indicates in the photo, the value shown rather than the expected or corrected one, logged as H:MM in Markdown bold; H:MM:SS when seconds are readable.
**10:59**
